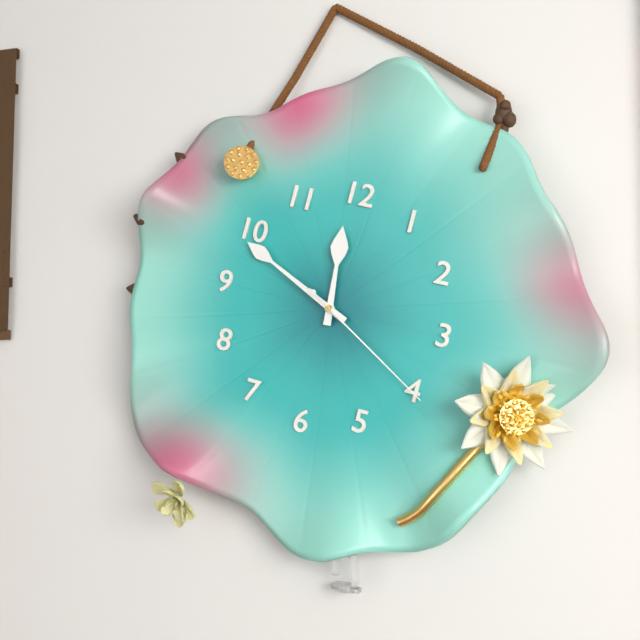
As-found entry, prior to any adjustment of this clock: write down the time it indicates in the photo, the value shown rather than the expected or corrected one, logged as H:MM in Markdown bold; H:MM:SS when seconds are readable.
**11:49:20**
